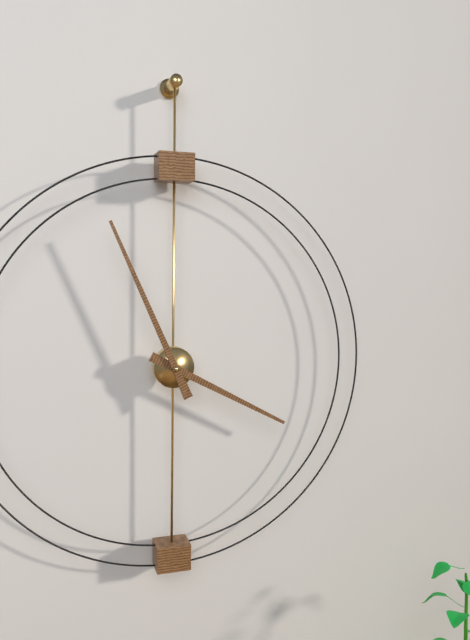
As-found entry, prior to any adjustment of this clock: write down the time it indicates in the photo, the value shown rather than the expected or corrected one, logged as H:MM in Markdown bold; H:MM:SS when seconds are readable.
**3:56**
